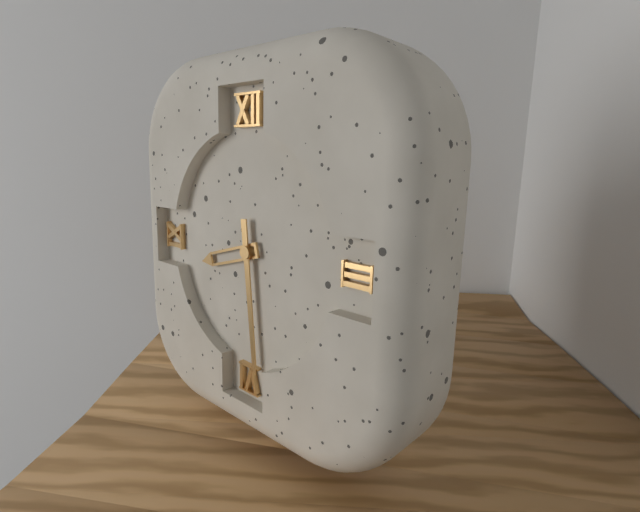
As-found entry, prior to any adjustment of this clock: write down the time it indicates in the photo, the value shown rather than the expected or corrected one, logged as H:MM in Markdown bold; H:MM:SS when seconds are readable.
**8:29**
